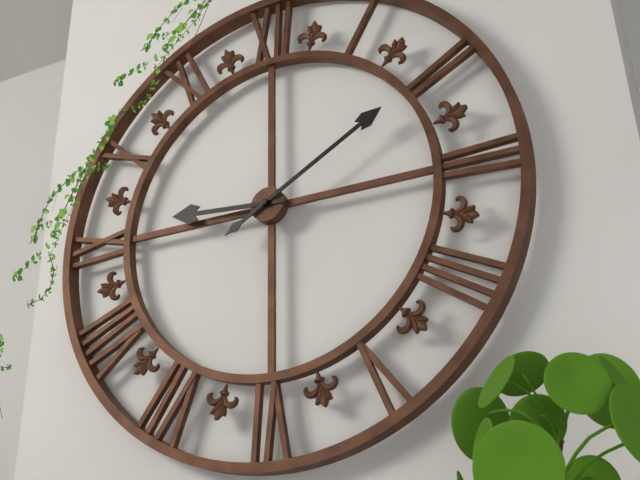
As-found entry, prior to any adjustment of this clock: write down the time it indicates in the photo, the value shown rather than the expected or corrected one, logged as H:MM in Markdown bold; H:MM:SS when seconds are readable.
**9:10**
